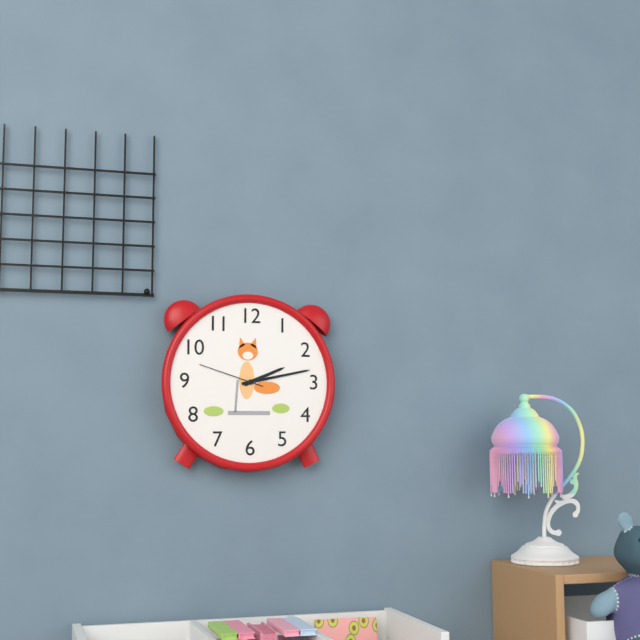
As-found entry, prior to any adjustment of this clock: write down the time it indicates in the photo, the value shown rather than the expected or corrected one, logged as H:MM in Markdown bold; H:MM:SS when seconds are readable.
**2:13:48**
